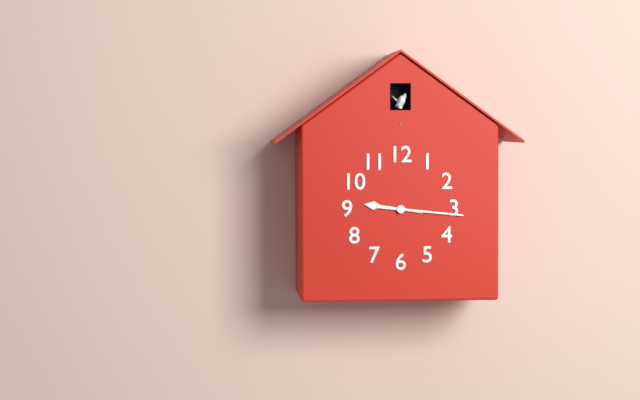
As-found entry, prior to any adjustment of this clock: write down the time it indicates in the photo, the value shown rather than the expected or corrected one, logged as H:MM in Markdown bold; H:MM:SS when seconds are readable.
**9:16**
